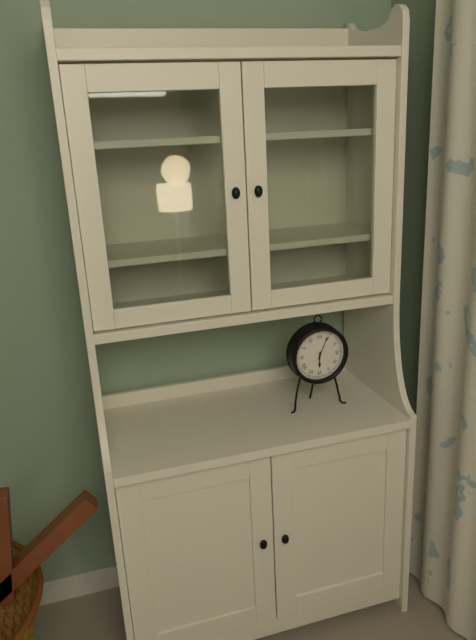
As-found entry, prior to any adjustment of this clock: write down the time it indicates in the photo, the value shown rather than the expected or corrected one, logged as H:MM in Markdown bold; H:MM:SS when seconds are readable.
**6:04**
